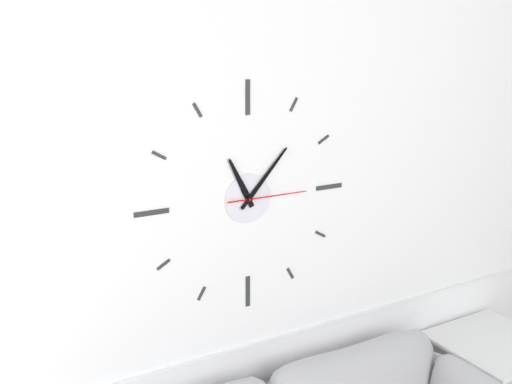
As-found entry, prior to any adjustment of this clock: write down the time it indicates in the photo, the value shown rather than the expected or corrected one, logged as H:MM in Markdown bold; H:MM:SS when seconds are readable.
**11:07:15**
